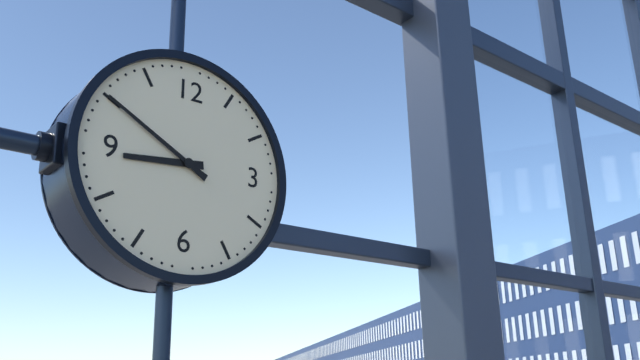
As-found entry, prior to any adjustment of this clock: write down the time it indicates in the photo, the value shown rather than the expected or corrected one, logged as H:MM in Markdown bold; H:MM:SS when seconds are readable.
**8:50**
